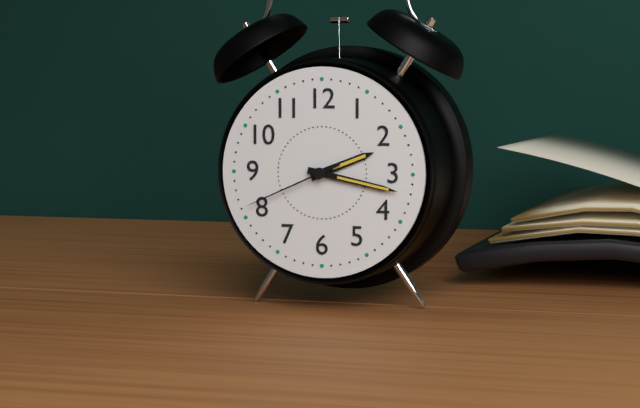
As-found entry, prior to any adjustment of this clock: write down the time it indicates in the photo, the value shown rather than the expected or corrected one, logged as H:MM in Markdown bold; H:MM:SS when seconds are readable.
**2:17:41**
